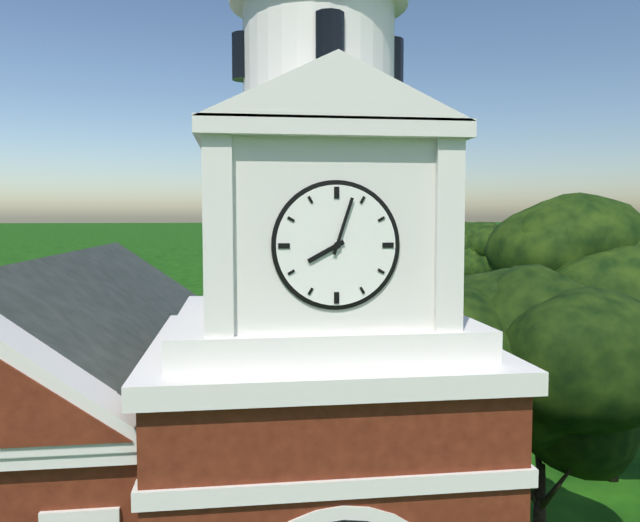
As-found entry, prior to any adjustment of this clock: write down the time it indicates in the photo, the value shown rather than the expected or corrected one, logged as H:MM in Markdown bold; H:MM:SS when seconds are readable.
**8:03**
